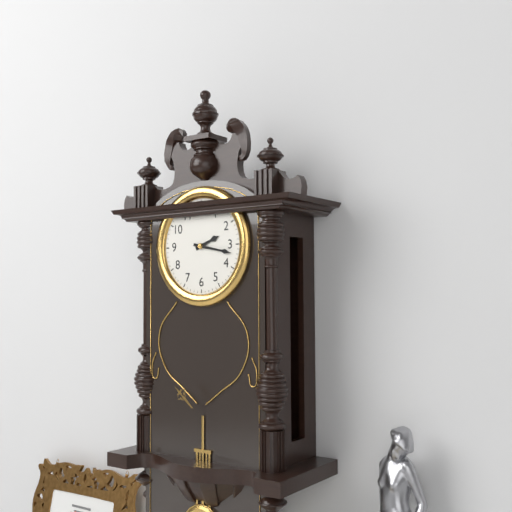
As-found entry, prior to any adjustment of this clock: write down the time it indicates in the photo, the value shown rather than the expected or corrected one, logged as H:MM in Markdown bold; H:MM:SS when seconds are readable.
**2:17**
